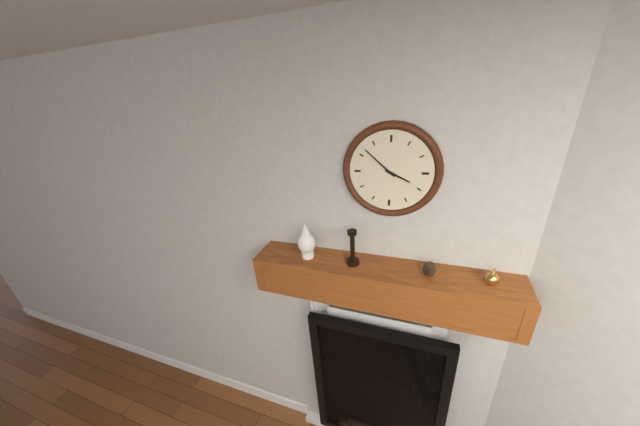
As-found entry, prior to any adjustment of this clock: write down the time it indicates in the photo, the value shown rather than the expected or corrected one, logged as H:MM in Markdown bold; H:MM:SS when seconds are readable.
**3:52**
